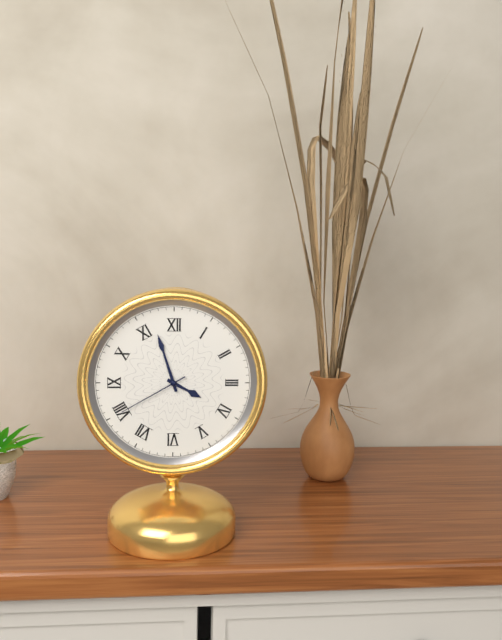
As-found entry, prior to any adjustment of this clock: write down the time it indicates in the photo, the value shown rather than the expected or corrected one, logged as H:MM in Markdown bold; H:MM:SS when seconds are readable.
**3:57:40**
